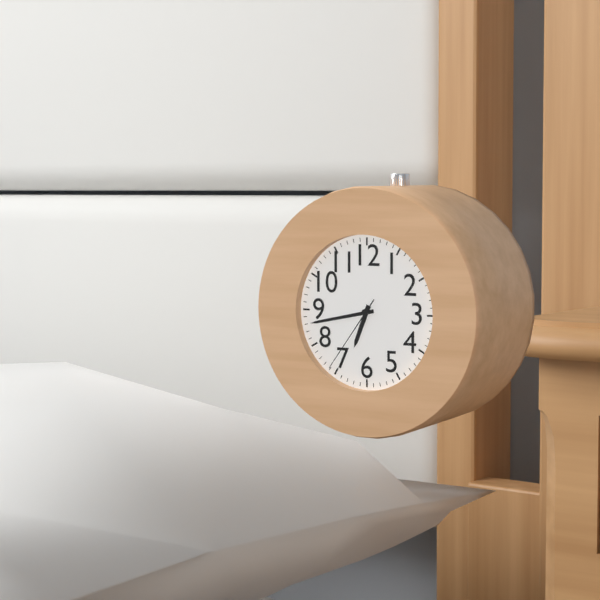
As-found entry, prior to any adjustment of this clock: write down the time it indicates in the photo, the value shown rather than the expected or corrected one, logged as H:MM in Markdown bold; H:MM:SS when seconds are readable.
**6:43:36**
